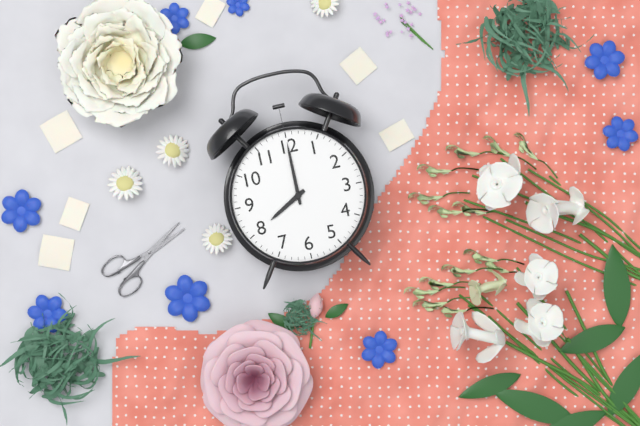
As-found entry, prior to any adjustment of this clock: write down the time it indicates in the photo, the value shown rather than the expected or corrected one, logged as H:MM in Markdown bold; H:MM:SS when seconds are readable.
**8:00**
